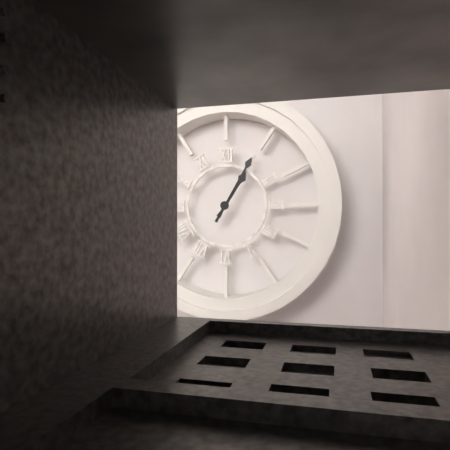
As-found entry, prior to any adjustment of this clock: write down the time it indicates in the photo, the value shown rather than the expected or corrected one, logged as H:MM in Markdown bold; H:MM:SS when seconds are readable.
**1:05**
